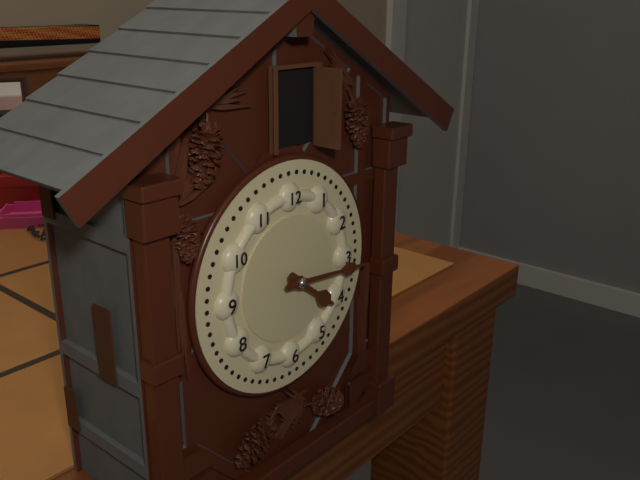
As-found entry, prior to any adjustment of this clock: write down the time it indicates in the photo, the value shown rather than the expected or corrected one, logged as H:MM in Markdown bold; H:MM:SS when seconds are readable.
**4:16**
